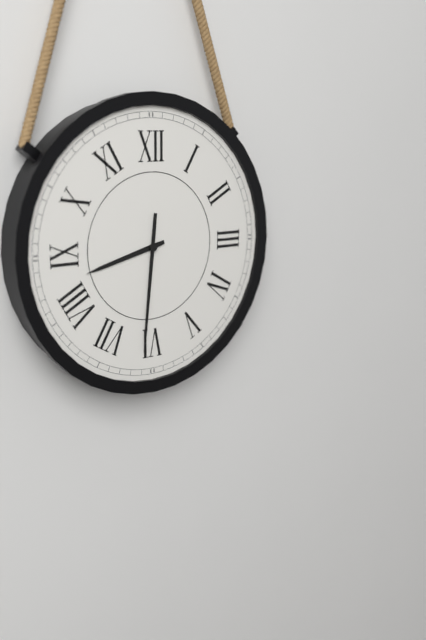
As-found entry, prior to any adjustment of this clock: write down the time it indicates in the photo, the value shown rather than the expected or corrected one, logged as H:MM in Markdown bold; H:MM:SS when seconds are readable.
**8:31**
